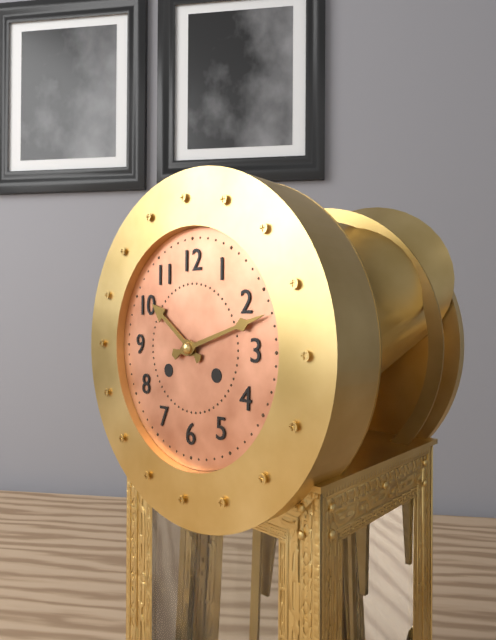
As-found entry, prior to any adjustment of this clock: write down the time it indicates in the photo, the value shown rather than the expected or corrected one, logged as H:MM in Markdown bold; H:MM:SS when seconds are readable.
**10:12**
